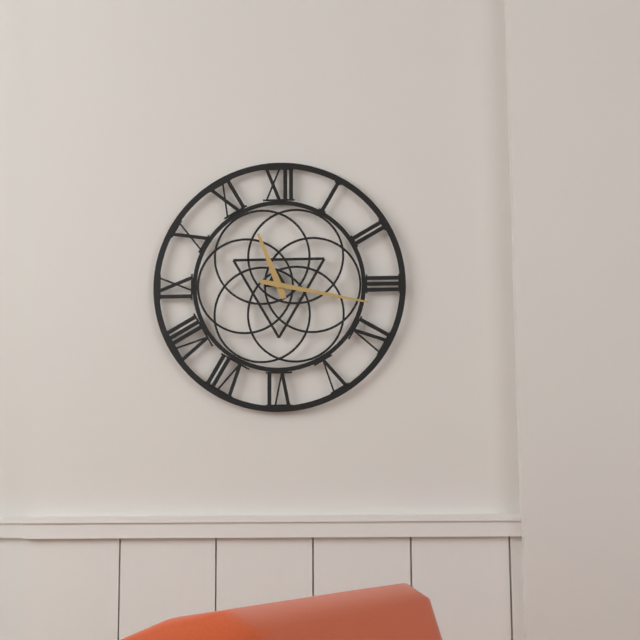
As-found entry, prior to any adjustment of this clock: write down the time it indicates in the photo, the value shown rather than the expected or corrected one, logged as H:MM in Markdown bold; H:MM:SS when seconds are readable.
**11:17**
